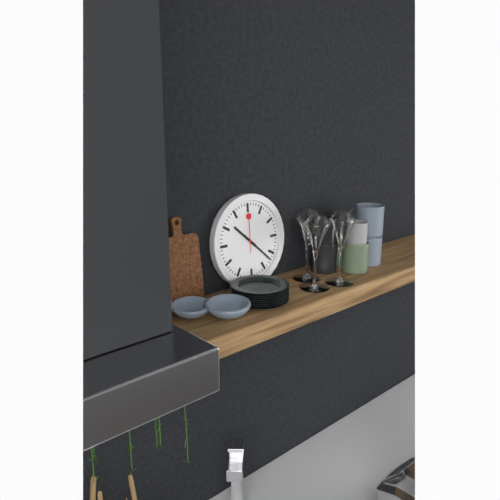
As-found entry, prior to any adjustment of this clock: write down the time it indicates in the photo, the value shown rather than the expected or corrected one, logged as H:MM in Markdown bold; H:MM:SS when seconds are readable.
**10:22**
